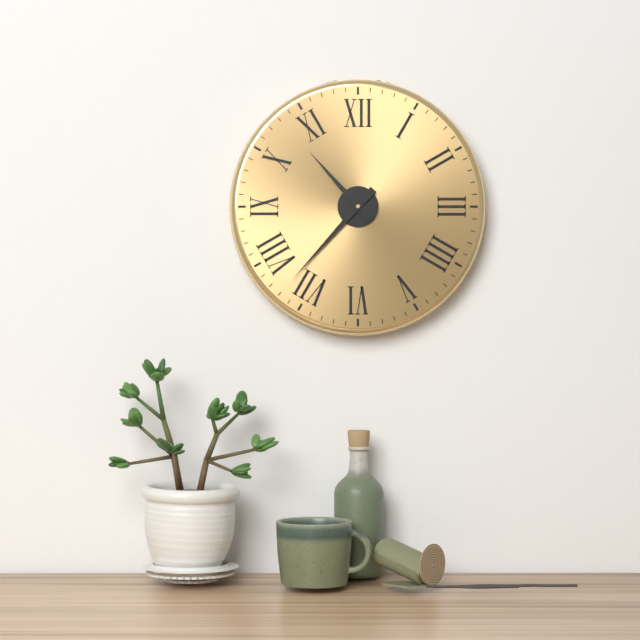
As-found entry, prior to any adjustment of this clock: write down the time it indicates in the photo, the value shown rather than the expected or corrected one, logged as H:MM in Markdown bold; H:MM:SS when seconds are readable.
**10:37**
